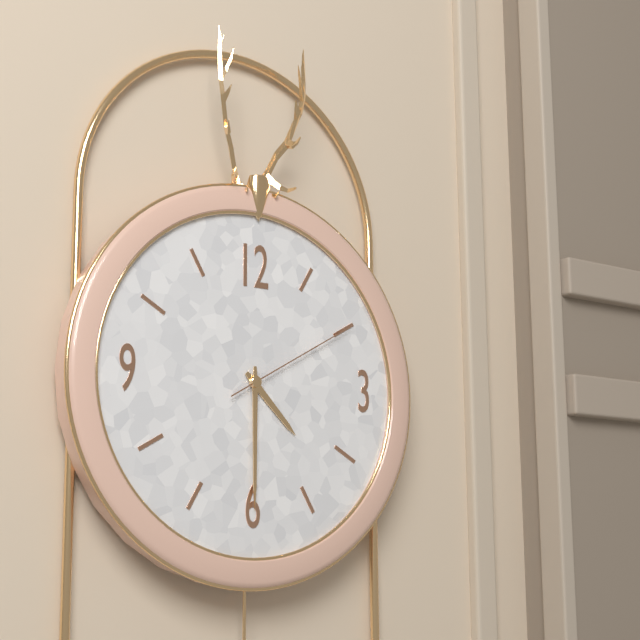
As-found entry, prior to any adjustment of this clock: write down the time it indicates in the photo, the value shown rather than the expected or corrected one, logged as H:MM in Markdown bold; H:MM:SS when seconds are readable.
**4:30:10**
